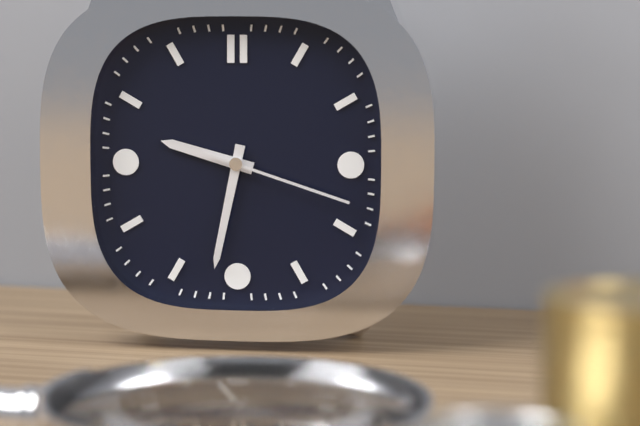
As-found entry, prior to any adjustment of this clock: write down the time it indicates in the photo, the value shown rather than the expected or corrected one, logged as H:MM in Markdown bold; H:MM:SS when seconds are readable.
**9:32:18**
